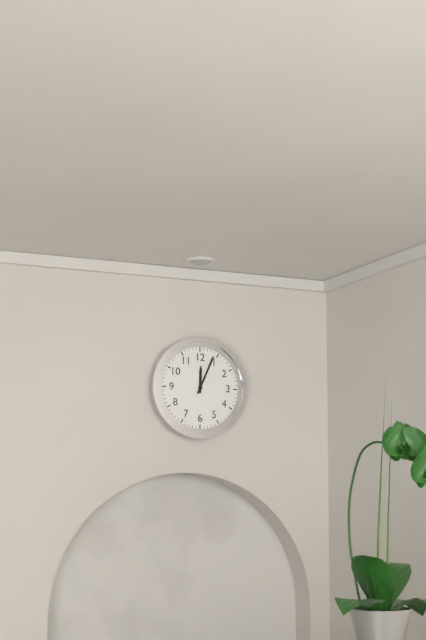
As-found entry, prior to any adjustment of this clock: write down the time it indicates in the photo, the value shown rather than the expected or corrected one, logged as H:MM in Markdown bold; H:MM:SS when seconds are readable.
**12:04**
